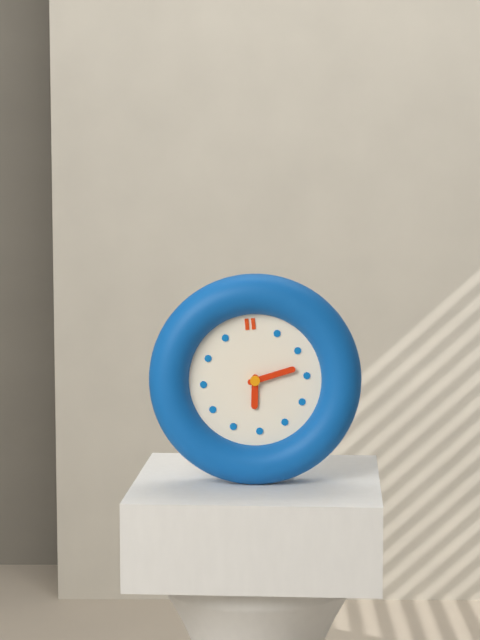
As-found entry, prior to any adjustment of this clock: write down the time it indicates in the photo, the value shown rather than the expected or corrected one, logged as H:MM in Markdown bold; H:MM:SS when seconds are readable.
**6:13**
